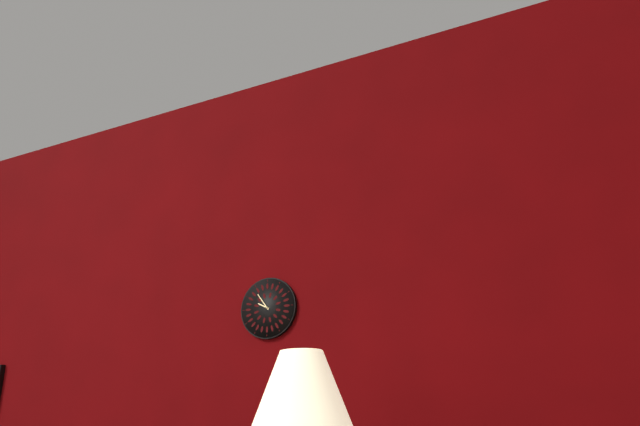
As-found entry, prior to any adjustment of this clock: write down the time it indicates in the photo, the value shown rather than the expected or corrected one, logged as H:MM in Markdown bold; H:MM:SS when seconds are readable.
**9:54**
